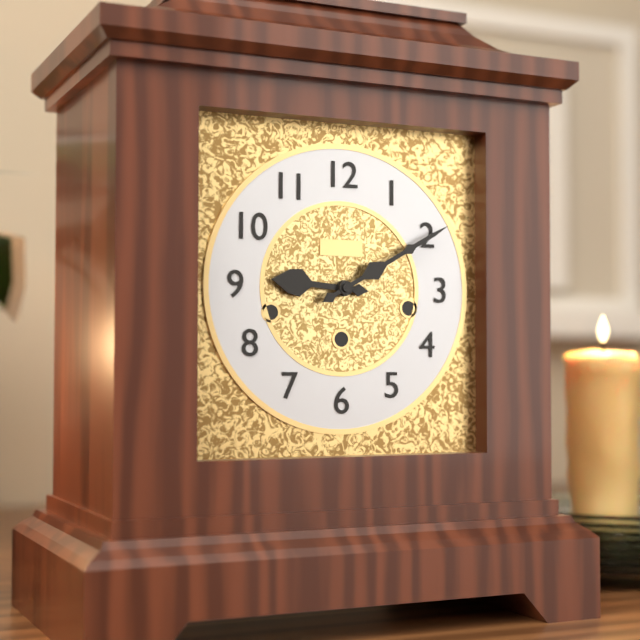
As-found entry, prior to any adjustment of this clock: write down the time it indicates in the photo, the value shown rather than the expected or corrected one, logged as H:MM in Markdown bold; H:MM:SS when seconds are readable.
**9:10**
